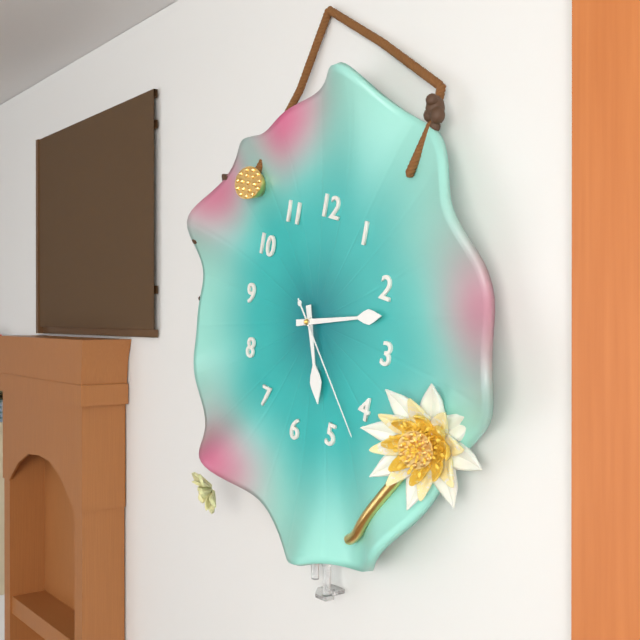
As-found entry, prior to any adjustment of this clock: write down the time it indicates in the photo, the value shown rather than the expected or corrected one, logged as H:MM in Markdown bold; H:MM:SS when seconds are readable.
**5:12:22**
